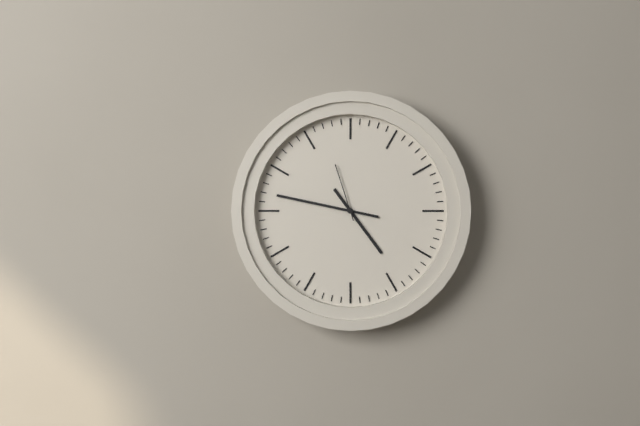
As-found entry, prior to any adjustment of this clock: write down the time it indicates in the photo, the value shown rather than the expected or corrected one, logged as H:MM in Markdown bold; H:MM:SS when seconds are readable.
**4:47:57**
